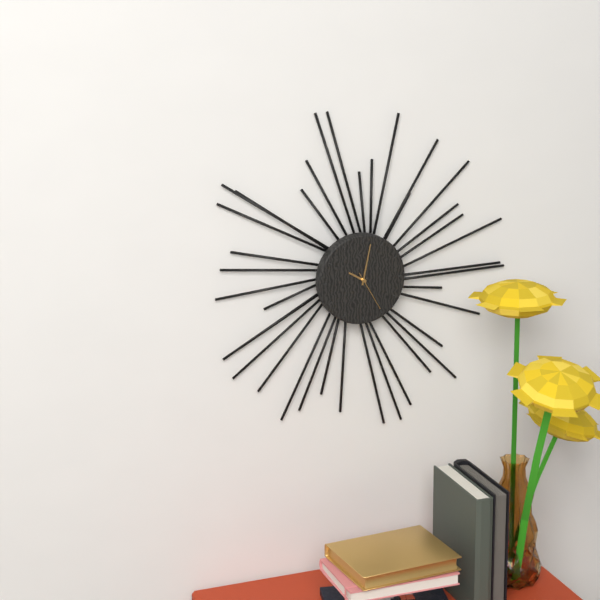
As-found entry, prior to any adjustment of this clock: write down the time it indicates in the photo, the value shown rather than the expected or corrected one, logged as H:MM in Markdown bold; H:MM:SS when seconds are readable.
**10:02**
